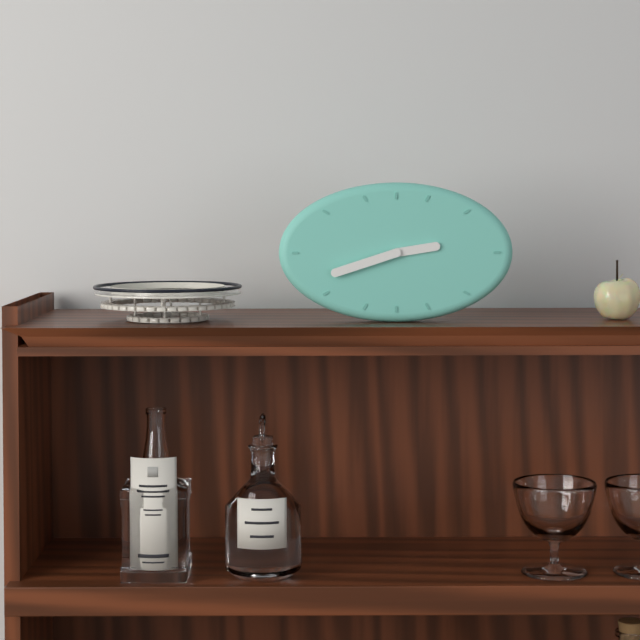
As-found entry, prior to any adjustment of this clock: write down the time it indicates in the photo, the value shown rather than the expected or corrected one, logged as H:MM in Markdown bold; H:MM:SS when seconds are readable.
**2:42**
